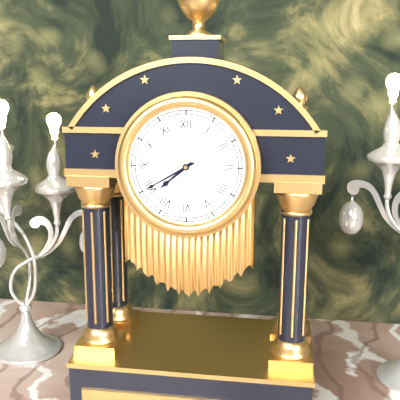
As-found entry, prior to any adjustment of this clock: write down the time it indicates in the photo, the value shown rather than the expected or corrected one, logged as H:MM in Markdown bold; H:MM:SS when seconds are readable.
**7:40**
